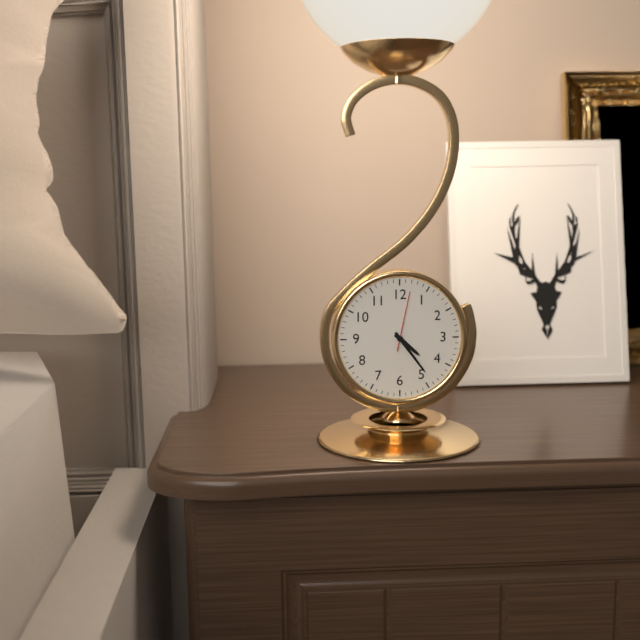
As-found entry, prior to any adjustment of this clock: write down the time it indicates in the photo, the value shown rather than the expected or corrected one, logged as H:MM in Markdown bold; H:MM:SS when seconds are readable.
**4:24:02**
